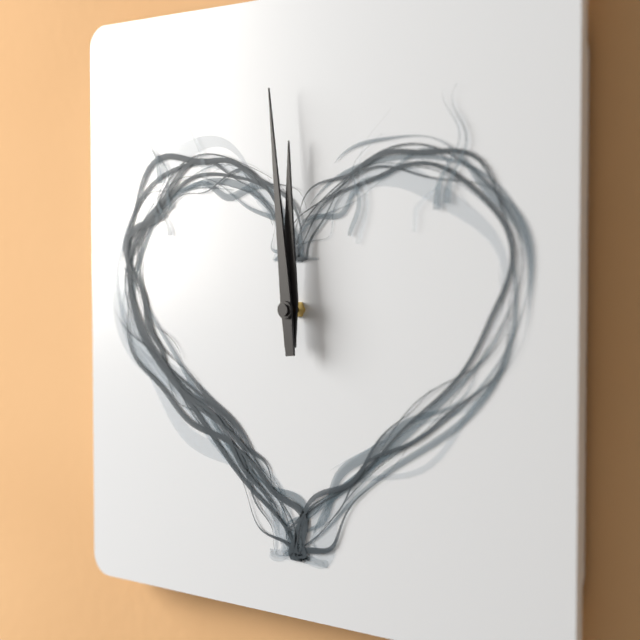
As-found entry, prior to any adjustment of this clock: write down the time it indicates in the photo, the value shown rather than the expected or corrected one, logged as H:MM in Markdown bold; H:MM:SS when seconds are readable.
**11:59**
